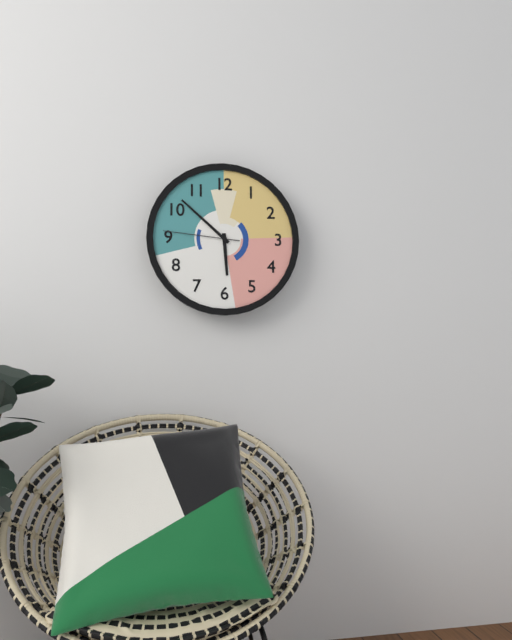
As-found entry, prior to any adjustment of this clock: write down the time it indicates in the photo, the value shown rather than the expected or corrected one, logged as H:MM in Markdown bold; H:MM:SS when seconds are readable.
**5:52:46**
